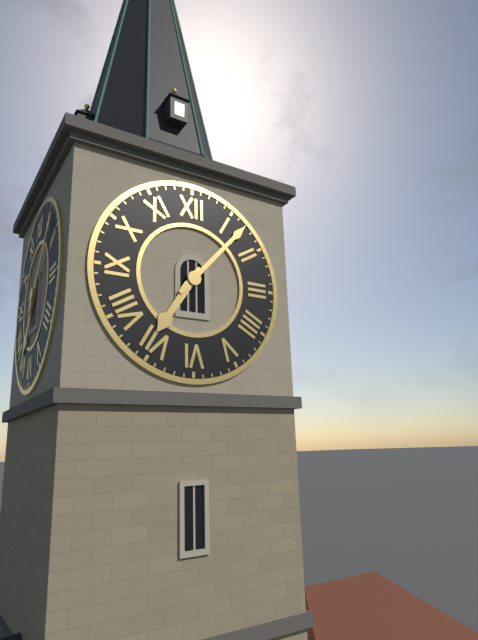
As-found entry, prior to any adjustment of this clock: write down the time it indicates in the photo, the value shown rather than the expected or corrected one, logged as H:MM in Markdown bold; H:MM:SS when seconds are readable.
**7:07**
